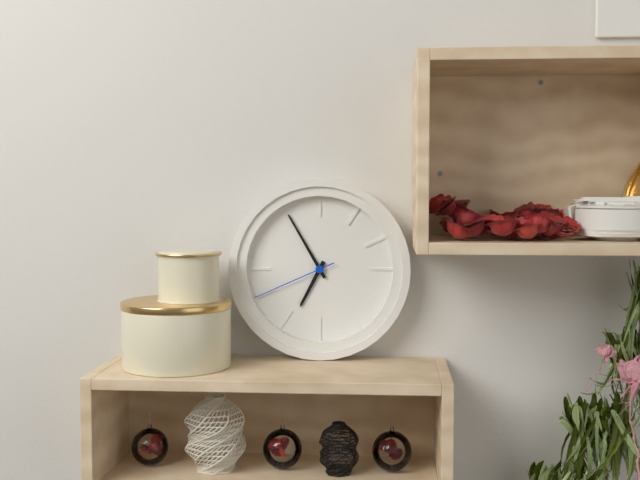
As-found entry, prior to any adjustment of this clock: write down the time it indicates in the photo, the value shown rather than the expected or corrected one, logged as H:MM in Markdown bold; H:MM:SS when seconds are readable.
**6:55:41**
